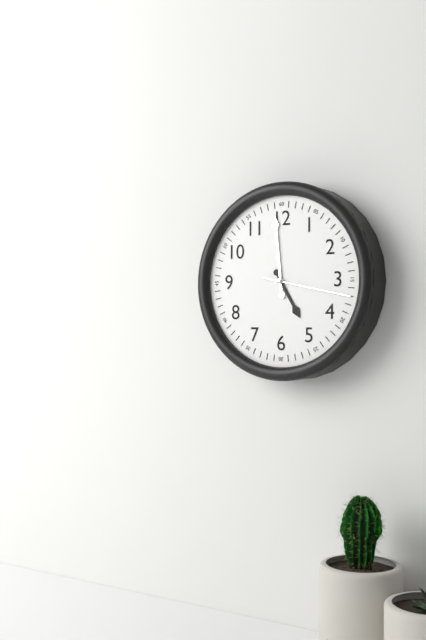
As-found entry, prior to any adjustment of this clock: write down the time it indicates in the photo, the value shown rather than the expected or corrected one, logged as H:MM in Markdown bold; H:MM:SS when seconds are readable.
**4:59:17**
